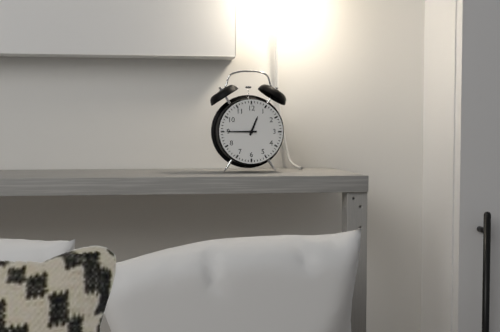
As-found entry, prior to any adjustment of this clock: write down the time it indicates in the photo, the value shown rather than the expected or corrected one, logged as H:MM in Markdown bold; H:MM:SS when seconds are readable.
**12:45**
